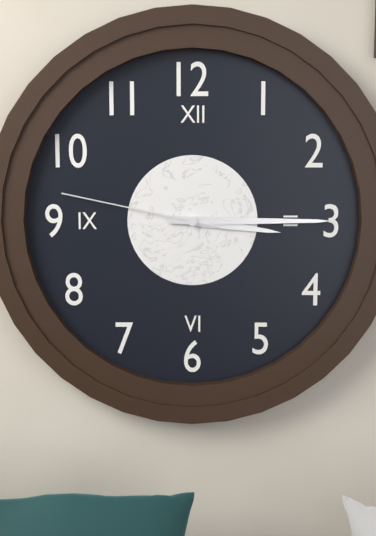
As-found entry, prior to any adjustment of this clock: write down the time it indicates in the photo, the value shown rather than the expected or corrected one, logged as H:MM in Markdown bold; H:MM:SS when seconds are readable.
**3:15:47**
